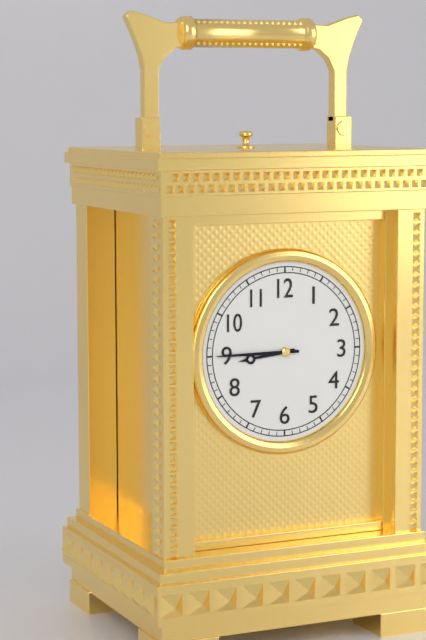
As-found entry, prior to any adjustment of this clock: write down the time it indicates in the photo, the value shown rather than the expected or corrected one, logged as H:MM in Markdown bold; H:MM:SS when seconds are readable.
**8:45**
